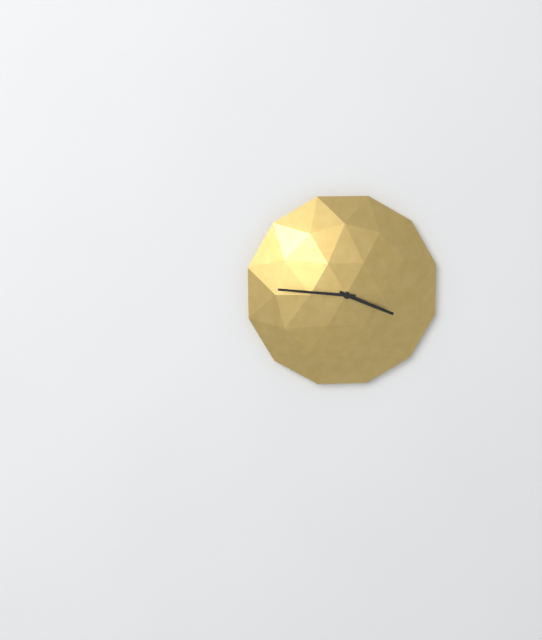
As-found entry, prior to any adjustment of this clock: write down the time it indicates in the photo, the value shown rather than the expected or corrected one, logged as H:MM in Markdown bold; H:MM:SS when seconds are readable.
**3:46**
